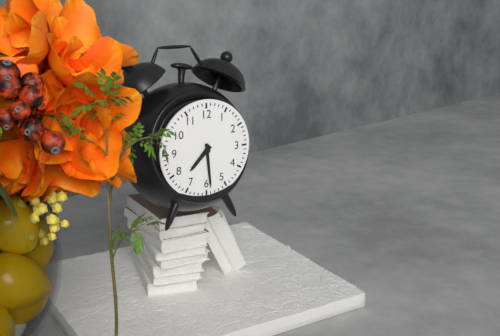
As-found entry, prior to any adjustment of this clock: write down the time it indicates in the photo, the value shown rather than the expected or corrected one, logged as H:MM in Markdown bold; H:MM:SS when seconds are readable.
**7:29**
